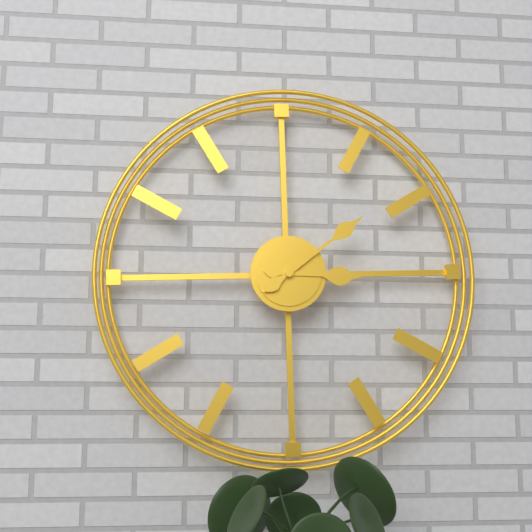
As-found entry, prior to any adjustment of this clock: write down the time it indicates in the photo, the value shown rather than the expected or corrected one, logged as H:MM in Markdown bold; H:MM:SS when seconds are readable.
**3:09**
